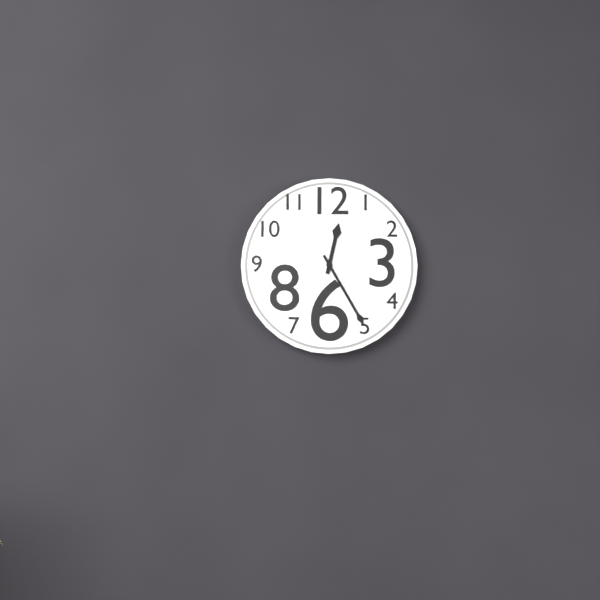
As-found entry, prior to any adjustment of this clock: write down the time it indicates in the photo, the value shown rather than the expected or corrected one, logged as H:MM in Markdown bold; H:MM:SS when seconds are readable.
**12:25**
